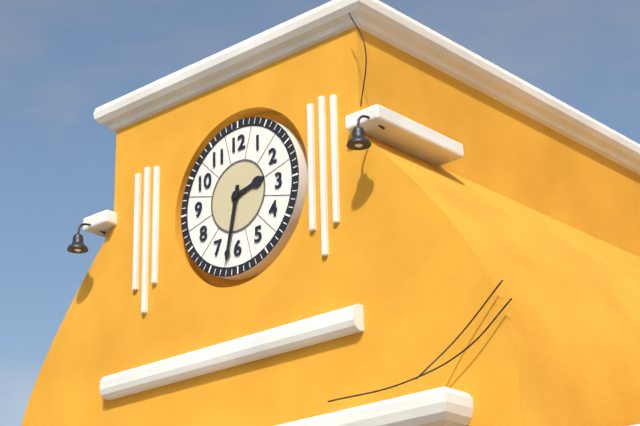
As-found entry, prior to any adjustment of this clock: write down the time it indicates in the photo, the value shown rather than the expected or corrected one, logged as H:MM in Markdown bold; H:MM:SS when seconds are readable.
**2:32**
